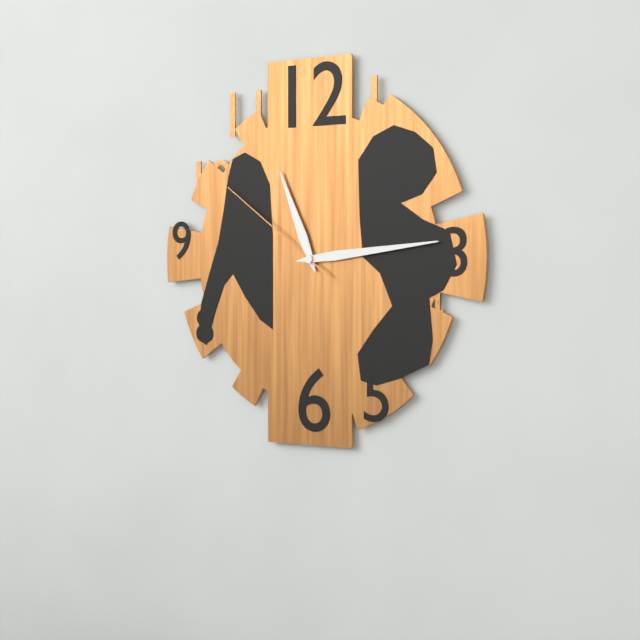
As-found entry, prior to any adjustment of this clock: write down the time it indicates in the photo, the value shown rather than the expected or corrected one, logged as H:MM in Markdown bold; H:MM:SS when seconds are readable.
**11:14:51**
